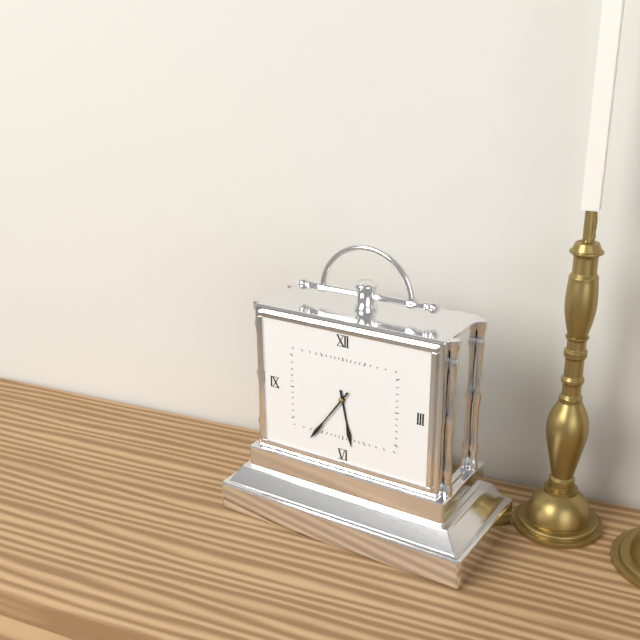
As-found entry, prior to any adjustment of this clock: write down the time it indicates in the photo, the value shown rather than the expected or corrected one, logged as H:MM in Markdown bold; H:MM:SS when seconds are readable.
**5:36**
